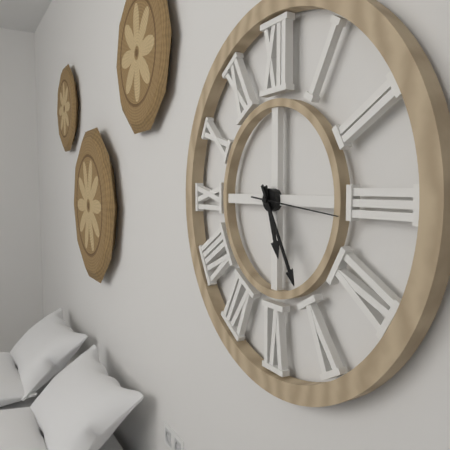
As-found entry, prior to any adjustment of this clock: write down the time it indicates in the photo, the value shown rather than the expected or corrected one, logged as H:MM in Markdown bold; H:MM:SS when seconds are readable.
**5:25:16**
